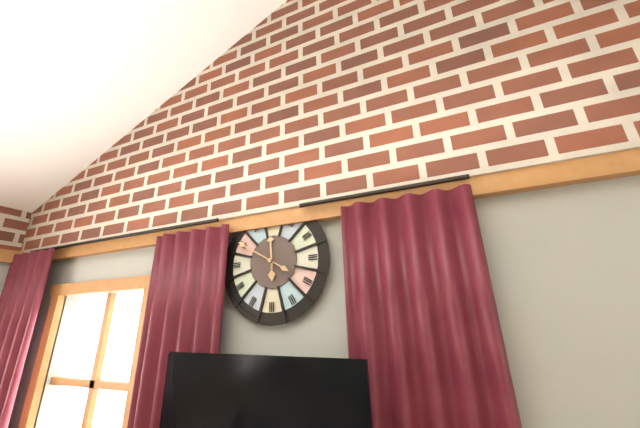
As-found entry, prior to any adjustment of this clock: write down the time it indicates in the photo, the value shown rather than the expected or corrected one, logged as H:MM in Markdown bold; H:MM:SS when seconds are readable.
**11:50**
